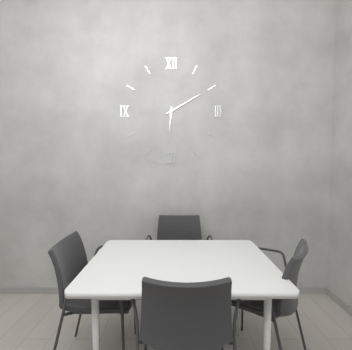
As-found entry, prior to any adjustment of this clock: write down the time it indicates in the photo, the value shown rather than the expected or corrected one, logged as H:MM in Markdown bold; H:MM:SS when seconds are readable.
**6:10**
